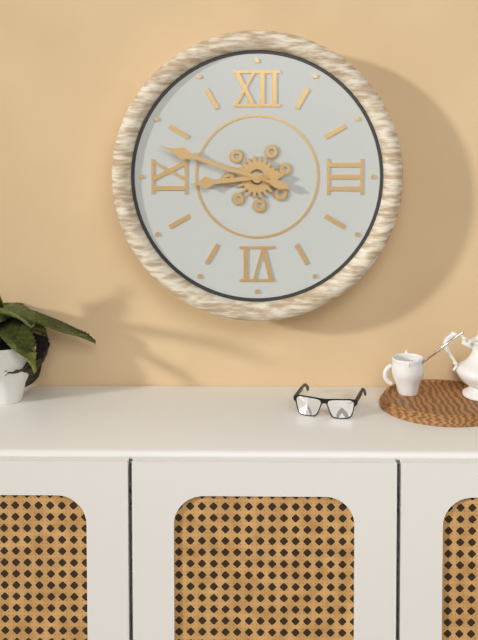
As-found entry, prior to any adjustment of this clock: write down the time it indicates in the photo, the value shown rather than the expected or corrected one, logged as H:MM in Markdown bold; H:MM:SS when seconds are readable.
**8:48**
